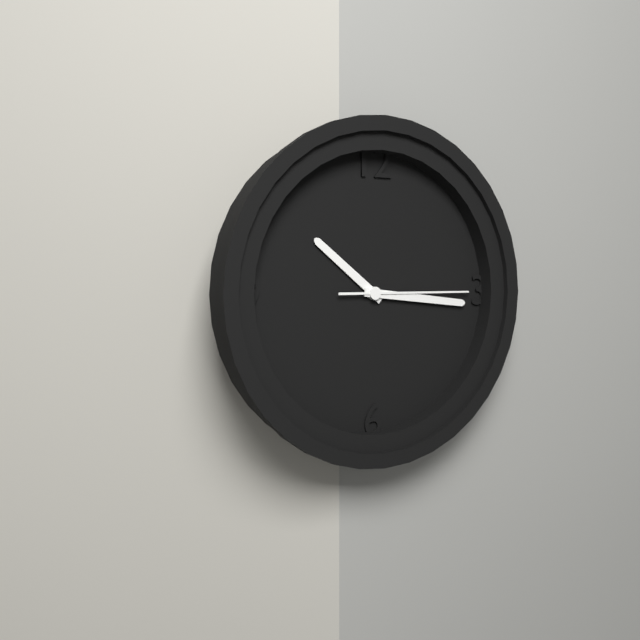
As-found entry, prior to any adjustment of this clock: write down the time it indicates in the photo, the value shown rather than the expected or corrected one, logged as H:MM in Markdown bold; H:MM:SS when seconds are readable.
**10:16:15**
